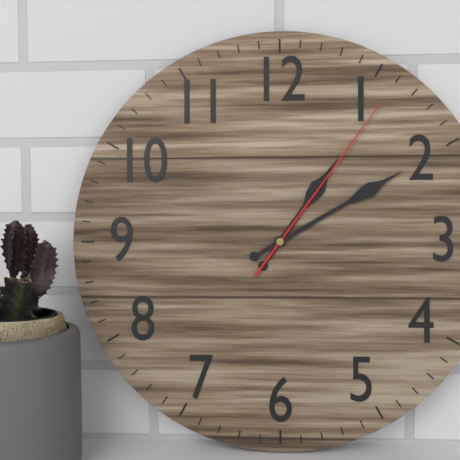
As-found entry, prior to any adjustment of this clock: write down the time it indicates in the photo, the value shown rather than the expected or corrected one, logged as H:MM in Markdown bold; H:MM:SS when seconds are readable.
**1:10:06**
